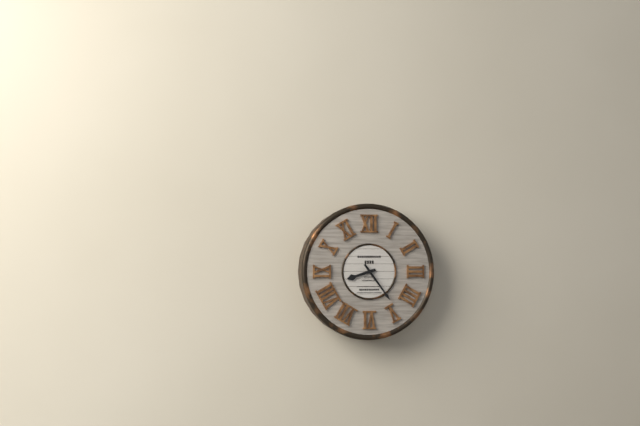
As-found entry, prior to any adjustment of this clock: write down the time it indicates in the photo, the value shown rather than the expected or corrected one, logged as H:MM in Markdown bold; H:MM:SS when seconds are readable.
**8:24**
